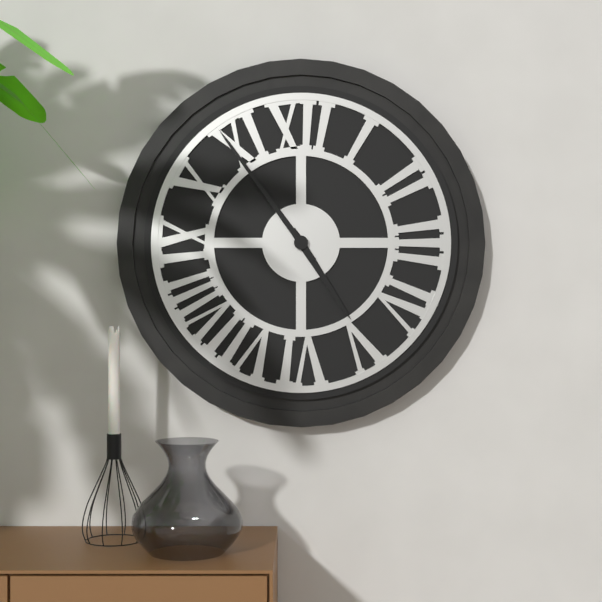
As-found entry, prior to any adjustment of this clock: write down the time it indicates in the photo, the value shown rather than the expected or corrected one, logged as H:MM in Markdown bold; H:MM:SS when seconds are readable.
**4:54**
